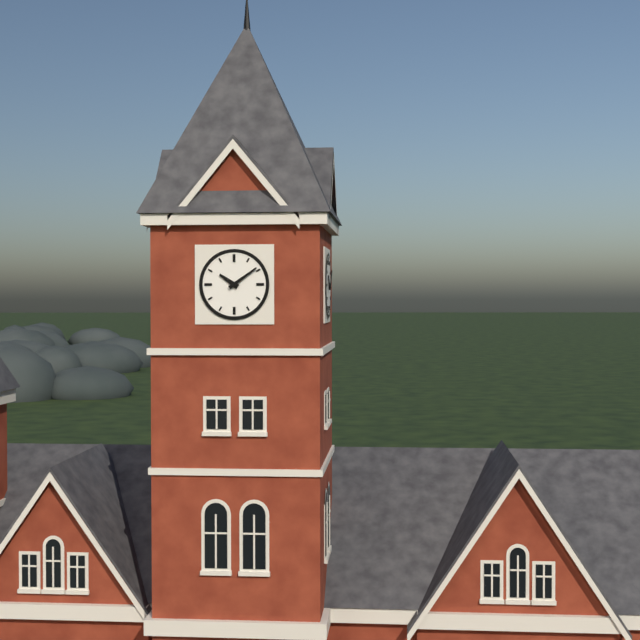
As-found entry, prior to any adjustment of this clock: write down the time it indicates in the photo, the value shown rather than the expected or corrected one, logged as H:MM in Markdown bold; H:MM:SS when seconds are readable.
**10:09**
